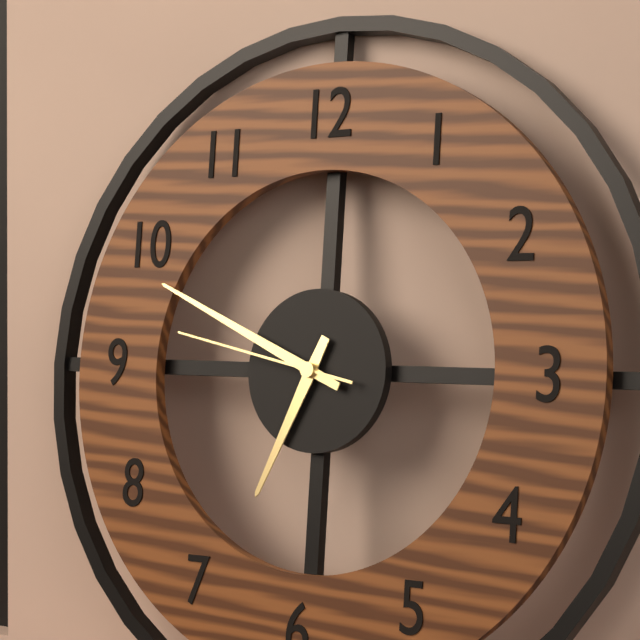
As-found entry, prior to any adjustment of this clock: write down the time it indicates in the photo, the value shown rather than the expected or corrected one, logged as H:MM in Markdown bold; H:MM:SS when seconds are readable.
**6:49:47**
